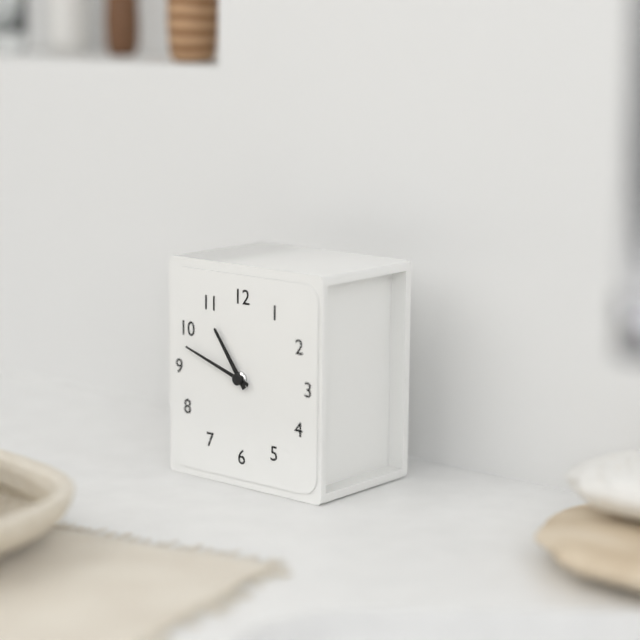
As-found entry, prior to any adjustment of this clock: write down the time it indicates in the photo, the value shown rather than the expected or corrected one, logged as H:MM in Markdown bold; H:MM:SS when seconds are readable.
**10:48**
